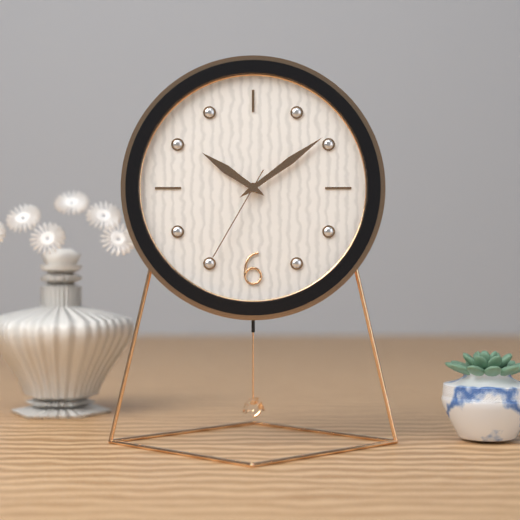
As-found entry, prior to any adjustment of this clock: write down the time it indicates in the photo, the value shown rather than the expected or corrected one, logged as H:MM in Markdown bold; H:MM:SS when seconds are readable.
**10:09:35**
